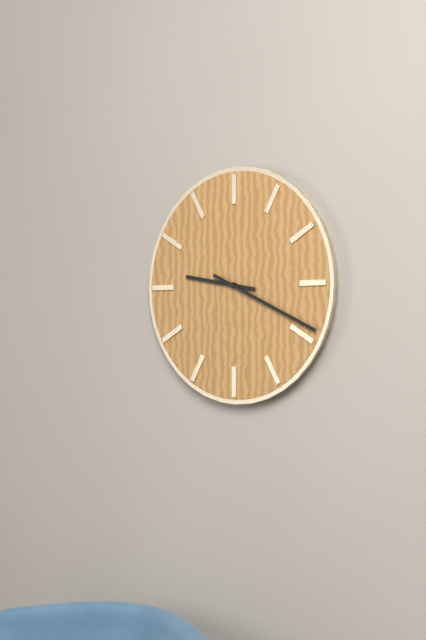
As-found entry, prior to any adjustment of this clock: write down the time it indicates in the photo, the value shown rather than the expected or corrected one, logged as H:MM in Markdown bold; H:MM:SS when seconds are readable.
**9:19**
